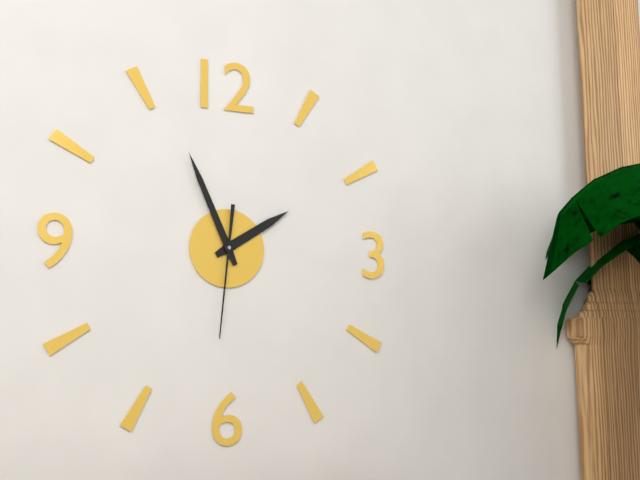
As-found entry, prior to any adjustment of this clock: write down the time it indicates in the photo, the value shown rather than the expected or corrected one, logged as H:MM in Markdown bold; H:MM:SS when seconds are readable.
**1:56:31**
